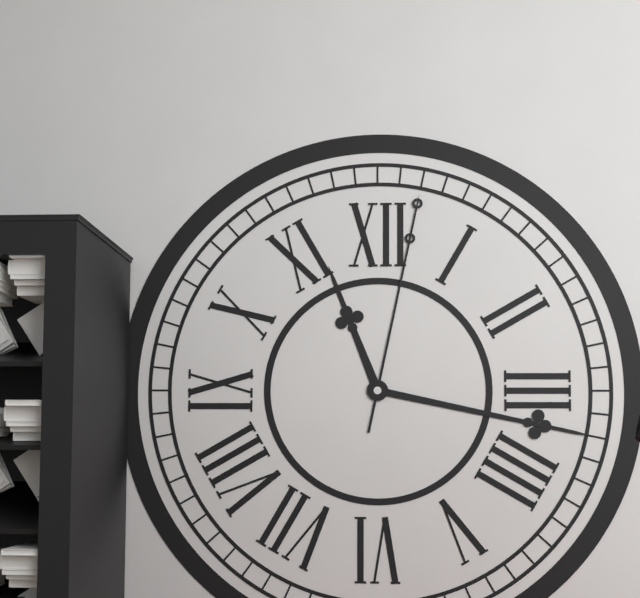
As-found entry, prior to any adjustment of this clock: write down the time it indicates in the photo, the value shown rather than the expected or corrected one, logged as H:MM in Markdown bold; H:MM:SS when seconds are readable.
**11:17:02**
